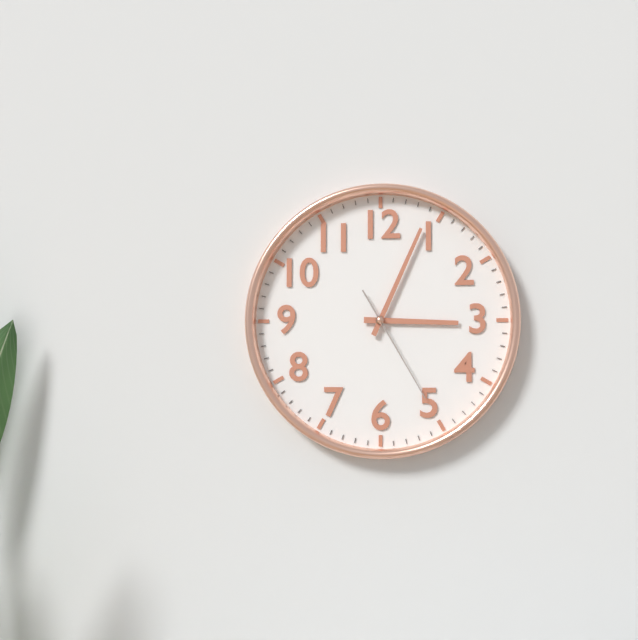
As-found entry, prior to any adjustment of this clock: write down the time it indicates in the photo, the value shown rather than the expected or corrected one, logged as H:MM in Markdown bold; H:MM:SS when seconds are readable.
**3:04:25**
